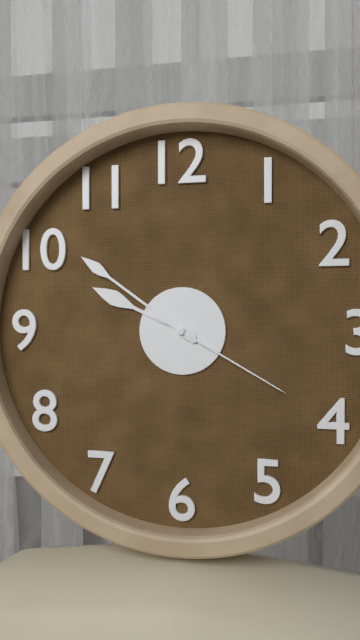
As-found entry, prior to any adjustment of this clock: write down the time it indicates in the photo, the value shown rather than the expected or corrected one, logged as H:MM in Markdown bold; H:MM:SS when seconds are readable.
**9:51:20**
